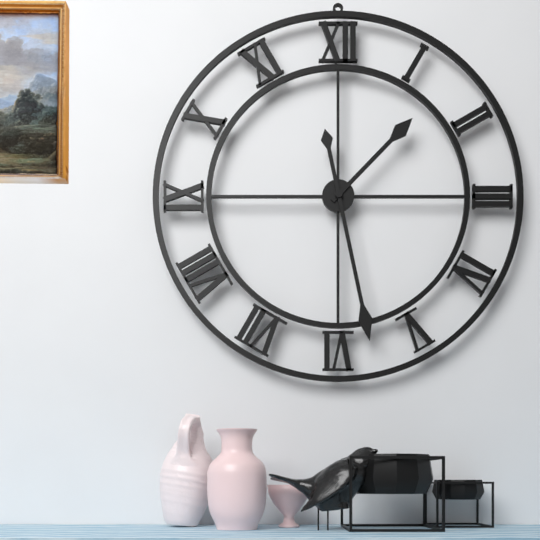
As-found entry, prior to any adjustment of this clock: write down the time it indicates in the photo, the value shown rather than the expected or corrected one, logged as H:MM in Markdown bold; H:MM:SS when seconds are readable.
**1:28**
